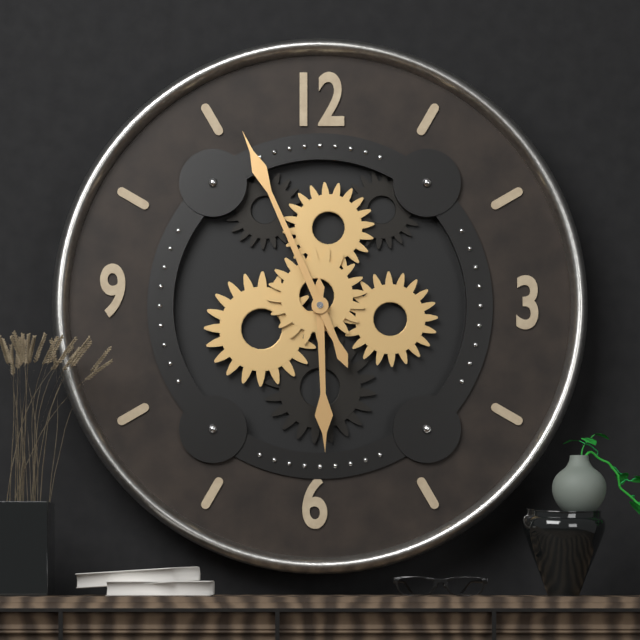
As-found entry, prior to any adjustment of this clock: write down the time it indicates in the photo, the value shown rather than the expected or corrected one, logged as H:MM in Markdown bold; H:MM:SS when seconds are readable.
**5:56**
